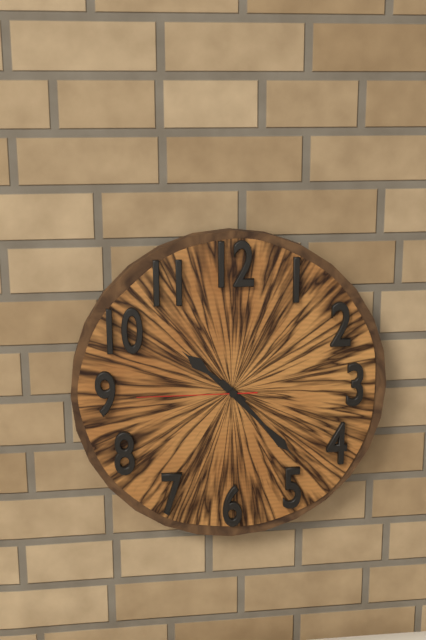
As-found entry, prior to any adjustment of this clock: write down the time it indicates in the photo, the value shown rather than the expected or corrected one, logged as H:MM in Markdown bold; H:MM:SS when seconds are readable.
**10:23:45**
